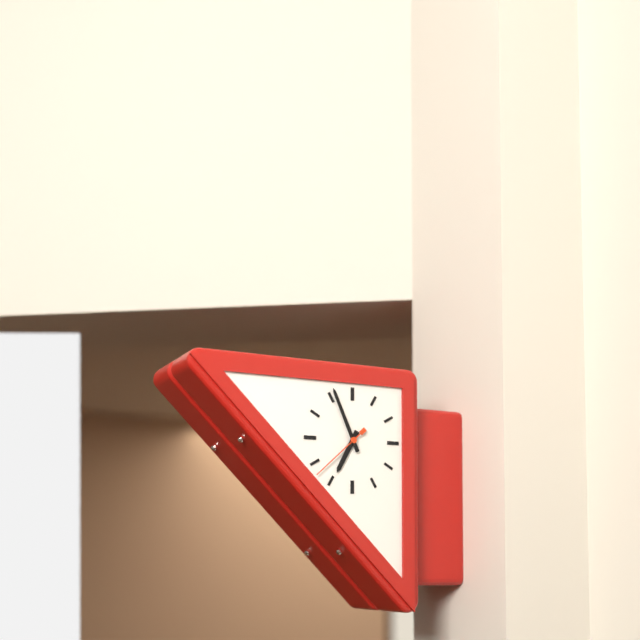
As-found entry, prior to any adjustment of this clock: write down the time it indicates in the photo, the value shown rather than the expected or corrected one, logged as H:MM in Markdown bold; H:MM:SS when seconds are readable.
**6:56:38**
